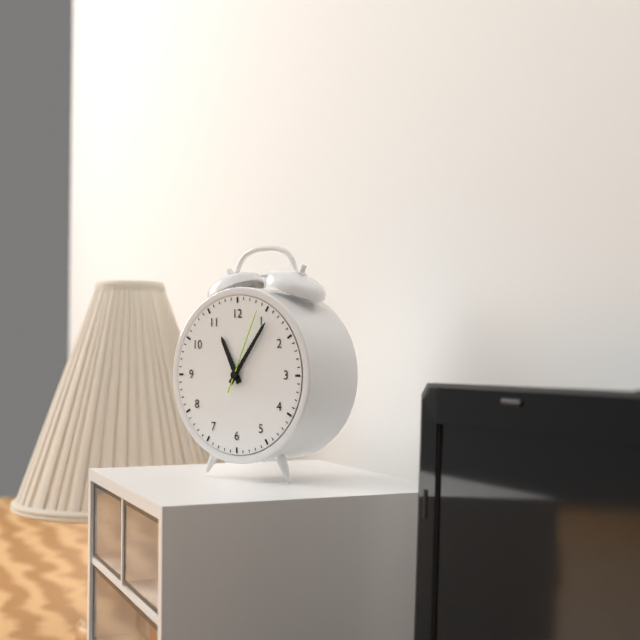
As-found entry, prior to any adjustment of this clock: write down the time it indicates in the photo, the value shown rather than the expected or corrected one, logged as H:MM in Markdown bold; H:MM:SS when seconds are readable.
**11:06:04**
